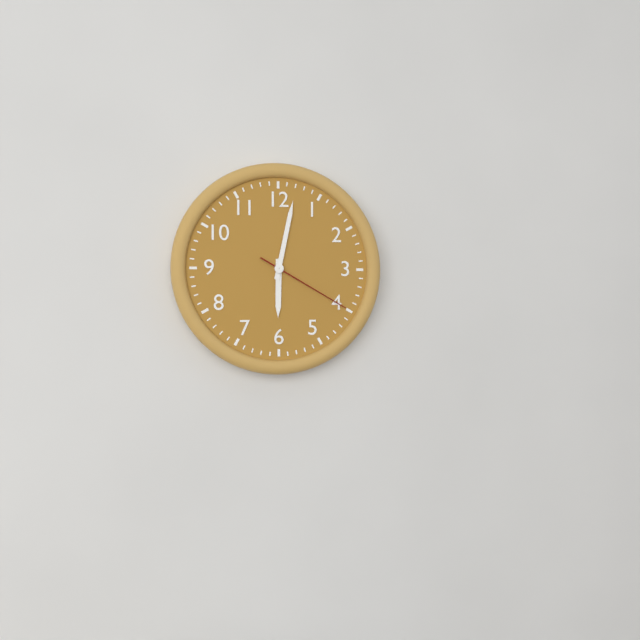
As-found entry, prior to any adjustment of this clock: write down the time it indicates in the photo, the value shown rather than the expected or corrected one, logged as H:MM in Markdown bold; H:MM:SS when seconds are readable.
**6:02:20**
